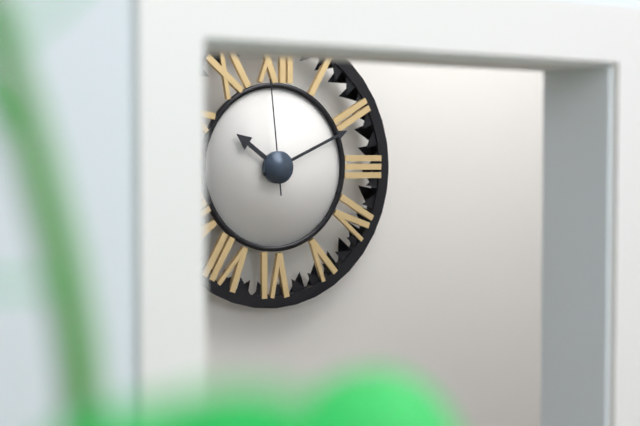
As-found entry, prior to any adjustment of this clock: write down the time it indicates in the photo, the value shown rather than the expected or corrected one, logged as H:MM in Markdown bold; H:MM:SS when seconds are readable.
**10:11:59**
